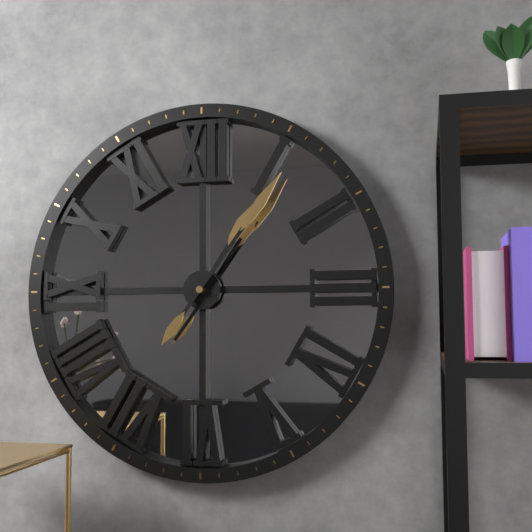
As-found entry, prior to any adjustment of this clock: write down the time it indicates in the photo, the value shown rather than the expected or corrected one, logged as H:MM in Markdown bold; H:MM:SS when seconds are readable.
**1:06**
